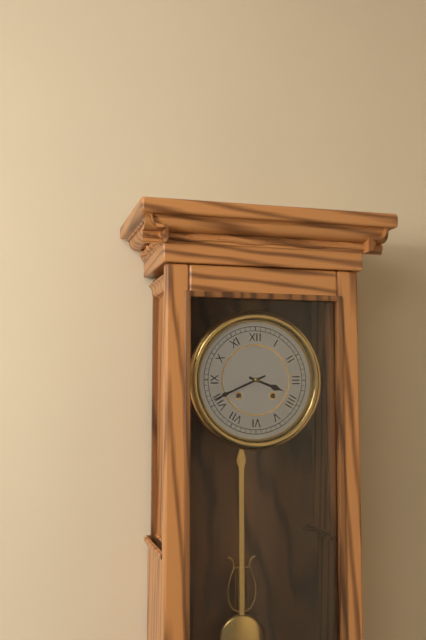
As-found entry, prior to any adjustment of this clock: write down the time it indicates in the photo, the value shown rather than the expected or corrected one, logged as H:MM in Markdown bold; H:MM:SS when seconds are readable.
**3:41**
